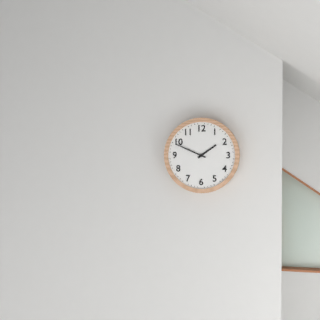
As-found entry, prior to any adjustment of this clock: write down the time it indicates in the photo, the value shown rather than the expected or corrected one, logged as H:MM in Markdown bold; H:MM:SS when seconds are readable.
**1:49**
